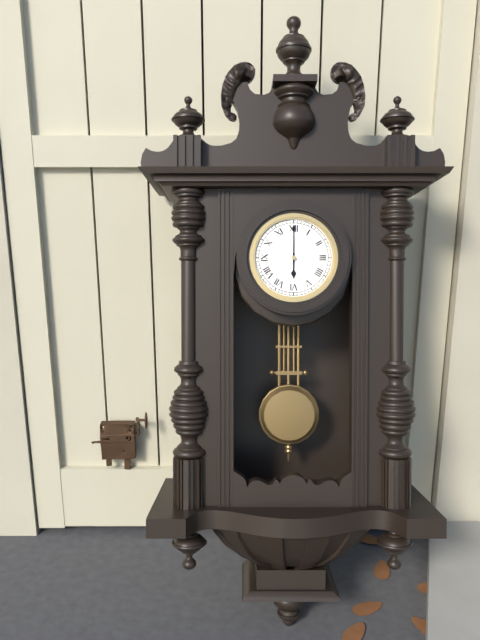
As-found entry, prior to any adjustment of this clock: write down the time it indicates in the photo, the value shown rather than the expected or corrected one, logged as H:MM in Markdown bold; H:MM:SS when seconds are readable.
**6:00**
